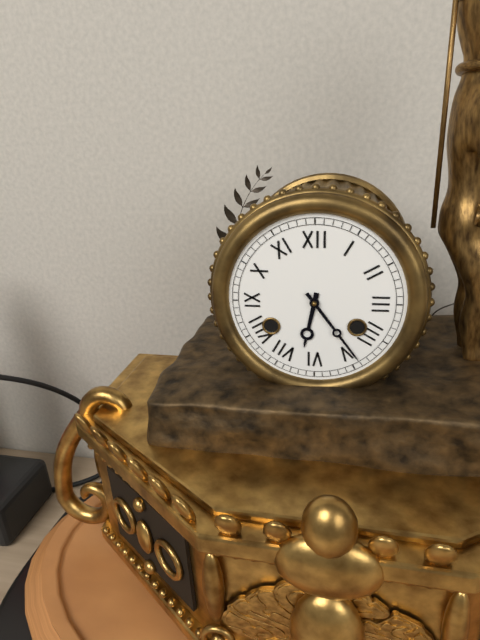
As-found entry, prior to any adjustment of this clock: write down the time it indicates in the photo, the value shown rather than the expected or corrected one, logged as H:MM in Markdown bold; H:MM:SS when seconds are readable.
**6:24**
